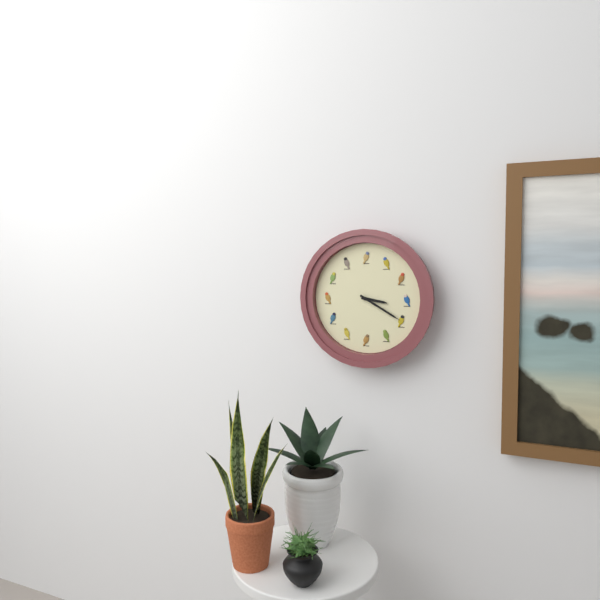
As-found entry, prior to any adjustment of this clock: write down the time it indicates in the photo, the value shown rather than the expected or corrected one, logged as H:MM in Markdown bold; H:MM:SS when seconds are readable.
**3:20**
